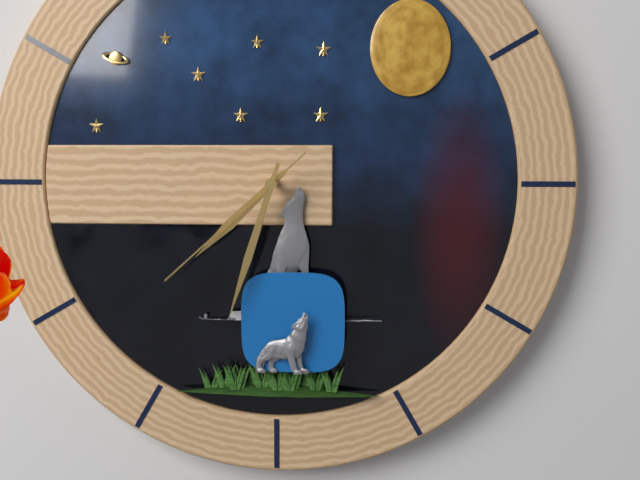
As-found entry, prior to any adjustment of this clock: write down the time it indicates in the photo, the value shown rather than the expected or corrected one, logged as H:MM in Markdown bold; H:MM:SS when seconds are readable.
**7:33:38**
